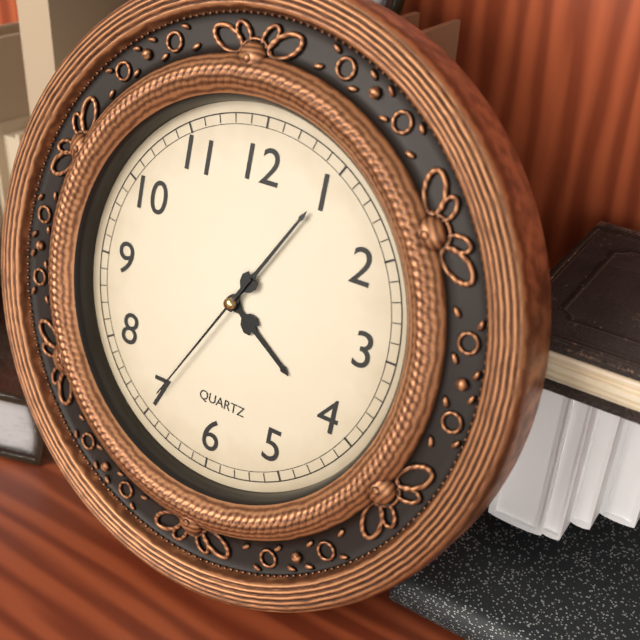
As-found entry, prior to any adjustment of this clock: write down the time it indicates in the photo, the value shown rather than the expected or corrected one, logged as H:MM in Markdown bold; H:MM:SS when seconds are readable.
**4:05:35**
